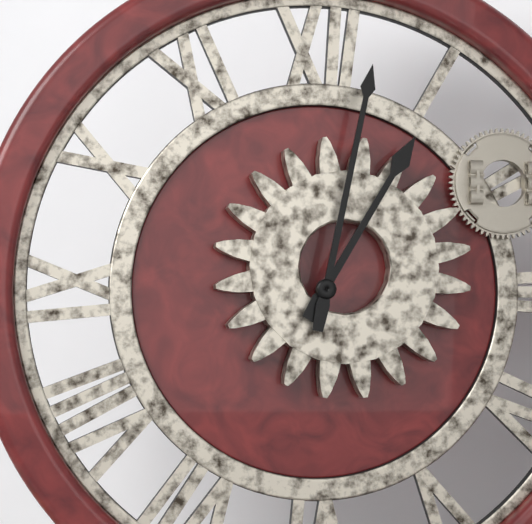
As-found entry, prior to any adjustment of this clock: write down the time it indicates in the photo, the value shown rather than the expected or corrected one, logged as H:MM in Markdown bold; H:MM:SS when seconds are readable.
**1:02**
